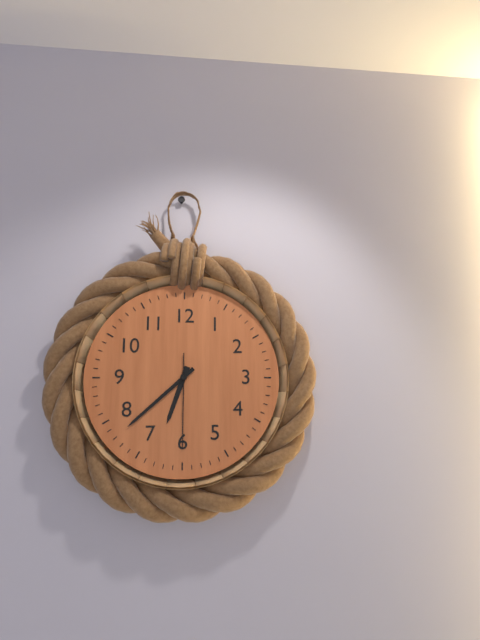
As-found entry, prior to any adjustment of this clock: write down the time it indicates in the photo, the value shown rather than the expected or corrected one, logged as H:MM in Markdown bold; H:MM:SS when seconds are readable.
**6:38:30**
